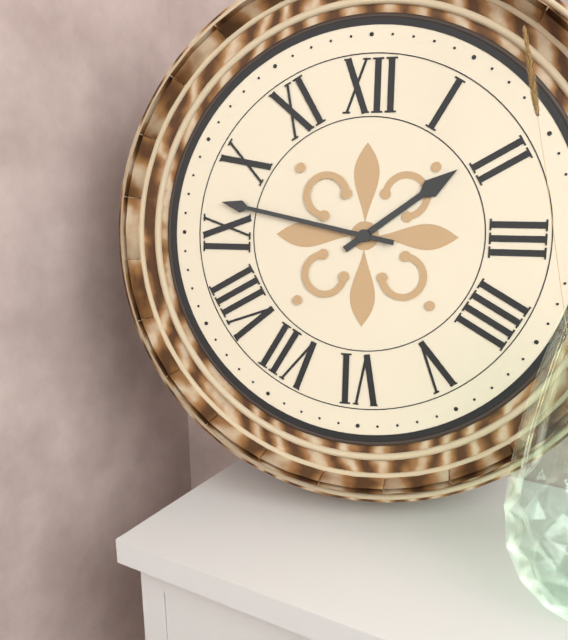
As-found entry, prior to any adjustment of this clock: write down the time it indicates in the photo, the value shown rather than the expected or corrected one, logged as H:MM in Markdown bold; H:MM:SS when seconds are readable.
**1:47**
